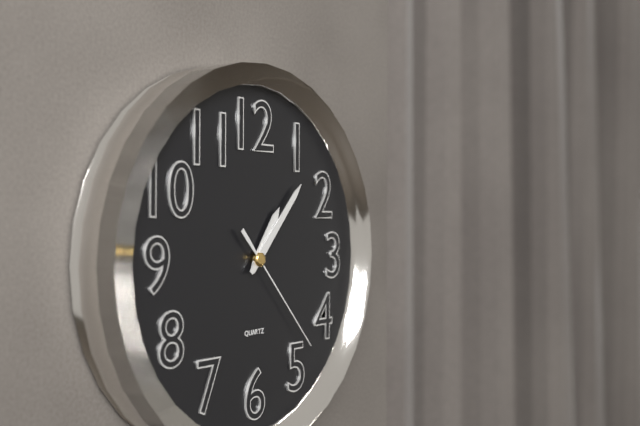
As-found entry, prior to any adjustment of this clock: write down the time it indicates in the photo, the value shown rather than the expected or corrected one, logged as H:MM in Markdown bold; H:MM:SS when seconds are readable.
**1:07:23**
